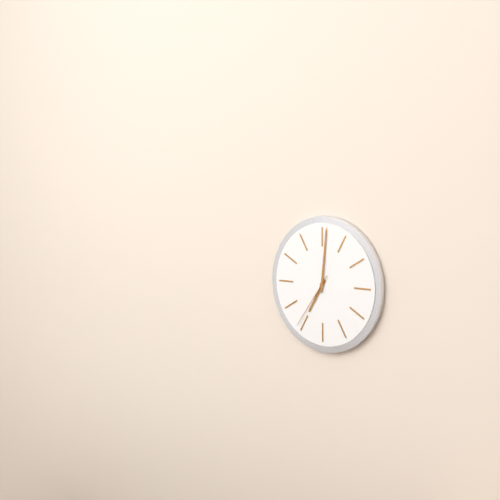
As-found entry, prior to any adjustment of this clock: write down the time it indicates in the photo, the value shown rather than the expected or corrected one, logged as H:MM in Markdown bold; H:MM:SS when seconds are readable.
**7:01:36**
